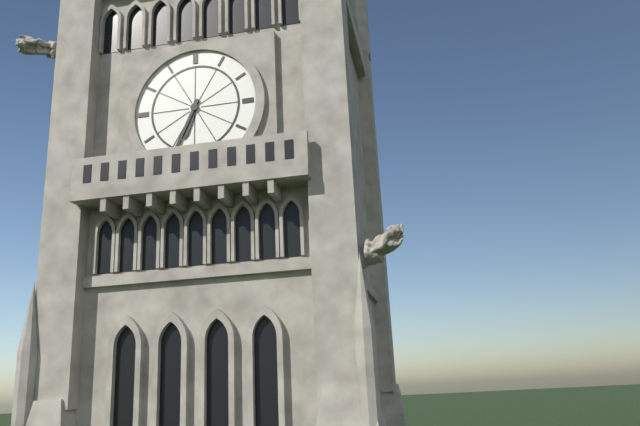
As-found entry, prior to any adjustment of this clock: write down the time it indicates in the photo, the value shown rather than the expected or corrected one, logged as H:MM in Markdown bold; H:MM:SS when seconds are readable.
**6:34**
